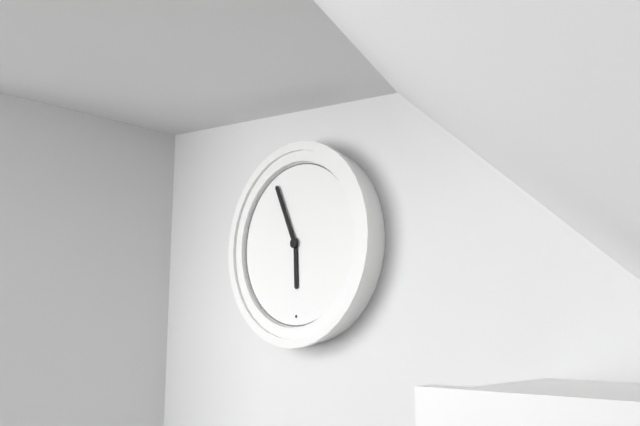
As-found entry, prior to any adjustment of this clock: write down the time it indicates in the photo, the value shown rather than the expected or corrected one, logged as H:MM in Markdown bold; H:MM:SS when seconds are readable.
**5:56**
